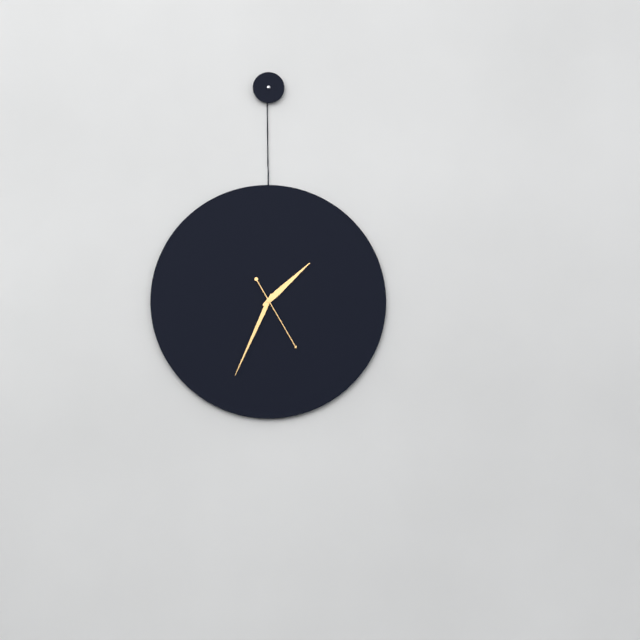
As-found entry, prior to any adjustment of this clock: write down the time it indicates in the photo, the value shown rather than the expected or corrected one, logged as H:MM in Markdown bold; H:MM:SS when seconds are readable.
**1:34:25**
